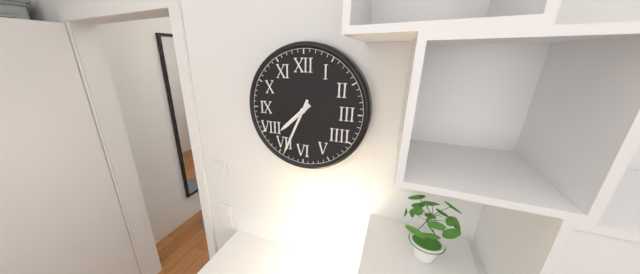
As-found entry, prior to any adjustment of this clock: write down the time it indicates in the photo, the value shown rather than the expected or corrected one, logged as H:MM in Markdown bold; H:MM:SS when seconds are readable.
**7:34**
